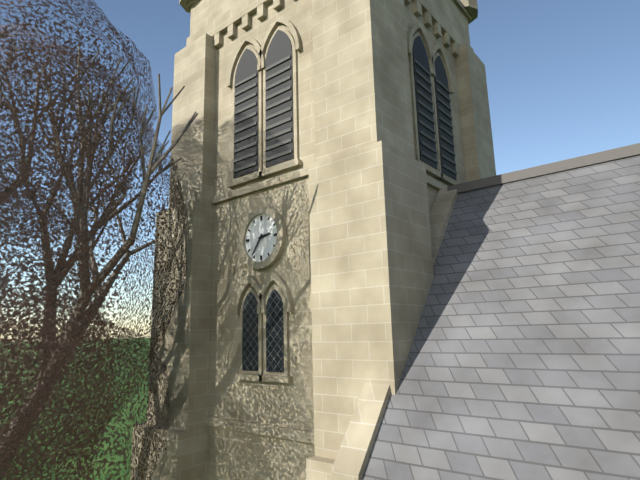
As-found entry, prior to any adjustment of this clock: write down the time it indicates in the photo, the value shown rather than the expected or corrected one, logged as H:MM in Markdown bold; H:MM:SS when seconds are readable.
**2:36**
